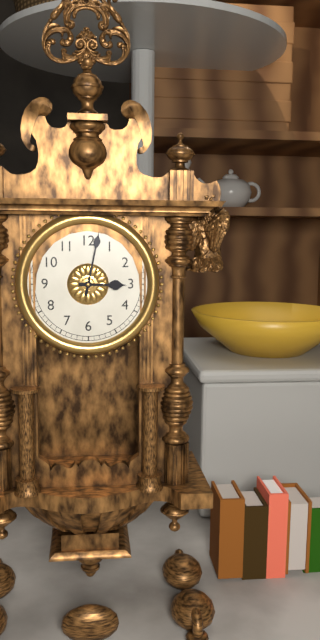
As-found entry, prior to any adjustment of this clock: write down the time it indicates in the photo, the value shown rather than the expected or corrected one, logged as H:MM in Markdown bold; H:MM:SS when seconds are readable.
**3:02**
